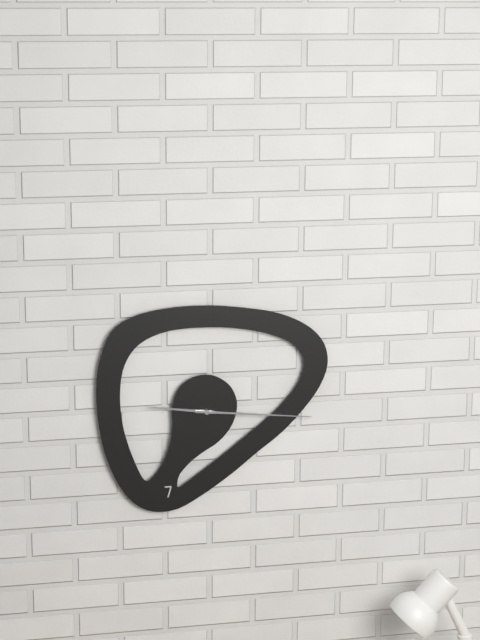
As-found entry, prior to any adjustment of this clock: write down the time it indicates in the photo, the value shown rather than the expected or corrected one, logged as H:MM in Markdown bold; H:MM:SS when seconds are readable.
**9:16**
